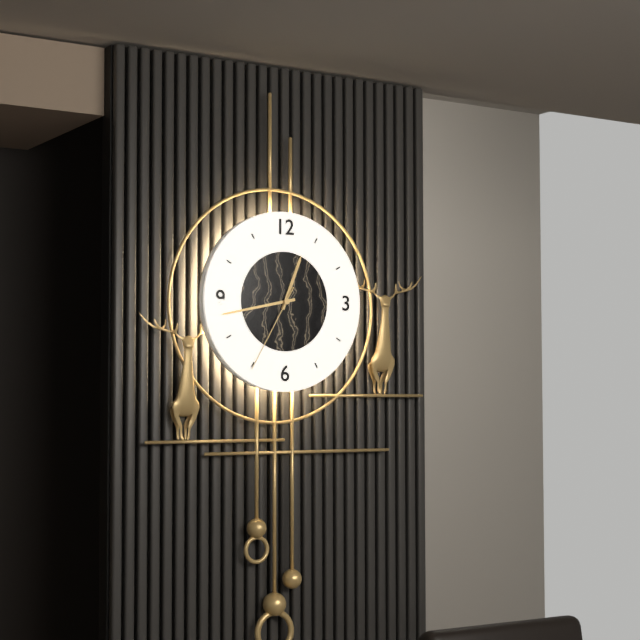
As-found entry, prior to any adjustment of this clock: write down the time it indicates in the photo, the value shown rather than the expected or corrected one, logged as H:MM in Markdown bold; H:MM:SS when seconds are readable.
**12:43:35**
